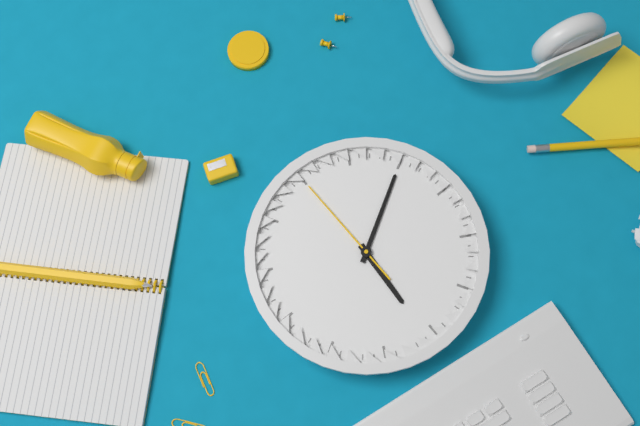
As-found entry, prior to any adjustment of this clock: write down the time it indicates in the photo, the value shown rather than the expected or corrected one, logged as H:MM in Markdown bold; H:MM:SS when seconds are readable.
**6:10:00**
